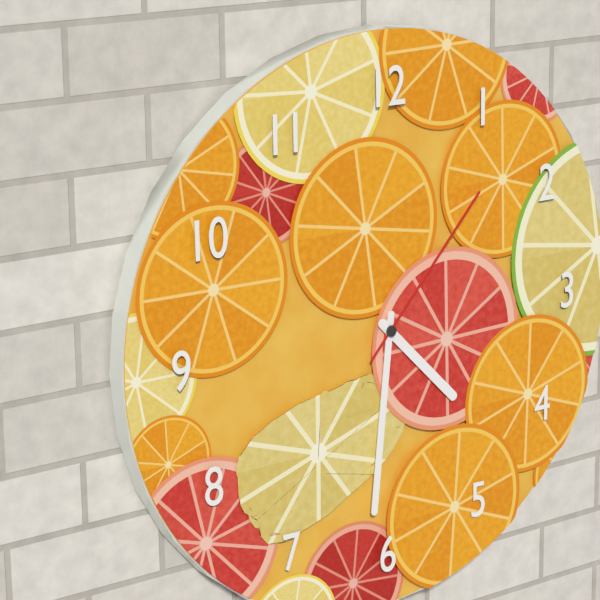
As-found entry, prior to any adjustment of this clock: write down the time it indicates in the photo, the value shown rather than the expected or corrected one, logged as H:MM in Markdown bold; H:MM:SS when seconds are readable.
**4:31:07**
